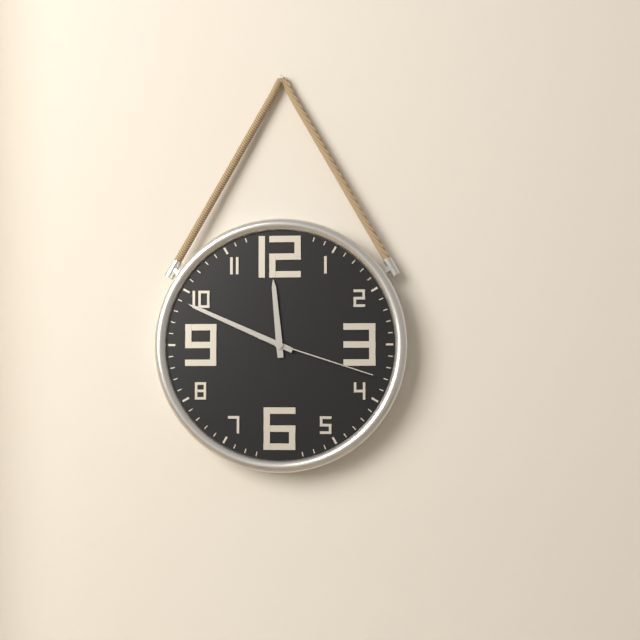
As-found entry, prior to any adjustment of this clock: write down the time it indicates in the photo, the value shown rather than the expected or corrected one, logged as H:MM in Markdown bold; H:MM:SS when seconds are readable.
**11:49:18**
